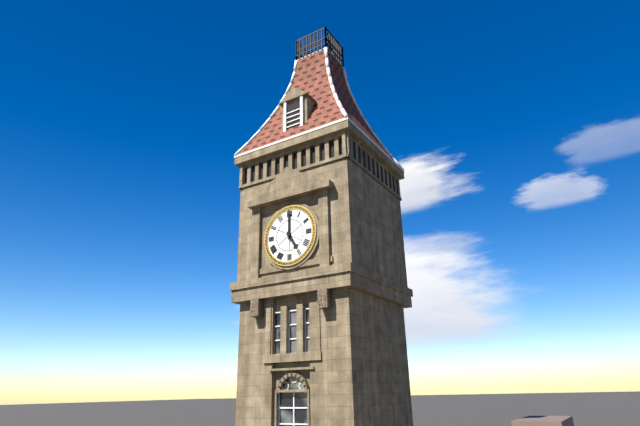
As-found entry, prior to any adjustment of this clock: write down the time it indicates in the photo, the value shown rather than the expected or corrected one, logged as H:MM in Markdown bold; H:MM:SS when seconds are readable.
**5:00**
